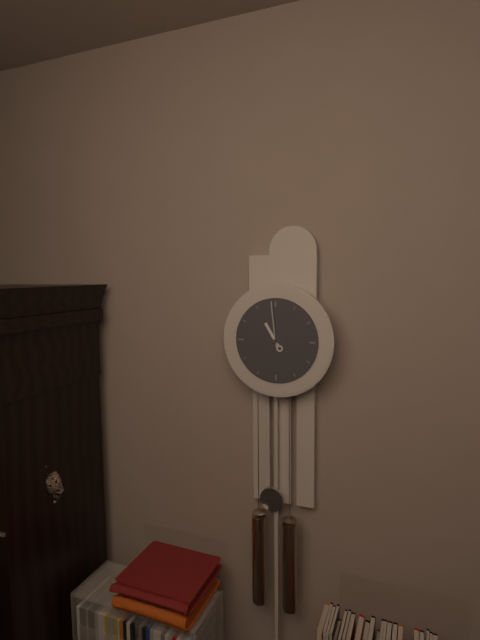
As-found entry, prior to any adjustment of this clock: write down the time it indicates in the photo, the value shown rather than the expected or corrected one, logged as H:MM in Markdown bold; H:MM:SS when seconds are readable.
**10:59**
